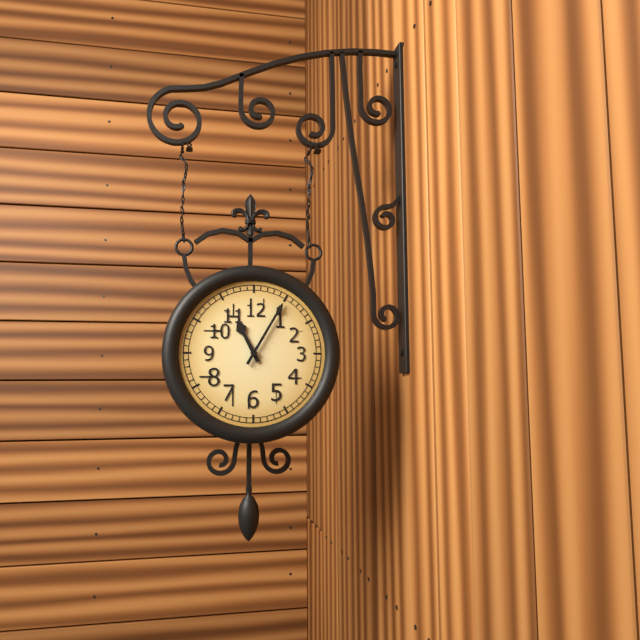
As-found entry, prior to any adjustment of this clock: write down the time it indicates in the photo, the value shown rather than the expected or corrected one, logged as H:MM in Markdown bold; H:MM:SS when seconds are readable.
**11:05**
